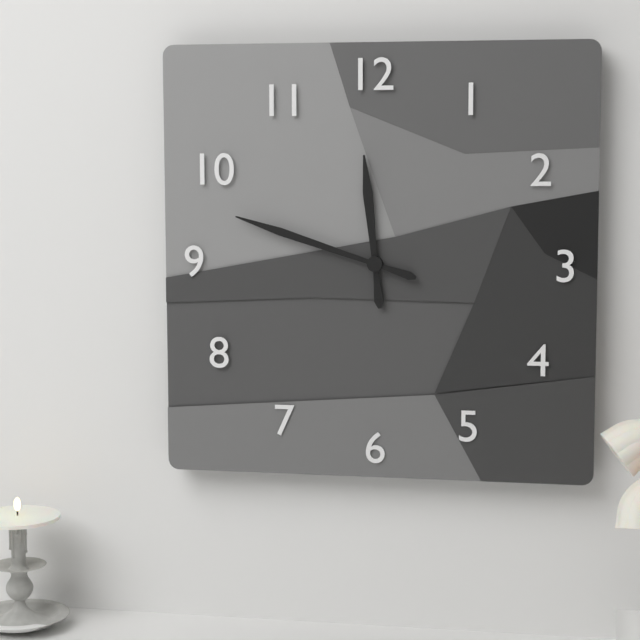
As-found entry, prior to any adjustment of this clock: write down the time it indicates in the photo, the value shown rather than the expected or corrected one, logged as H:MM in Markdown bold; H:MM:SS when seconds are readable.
**11:48**
